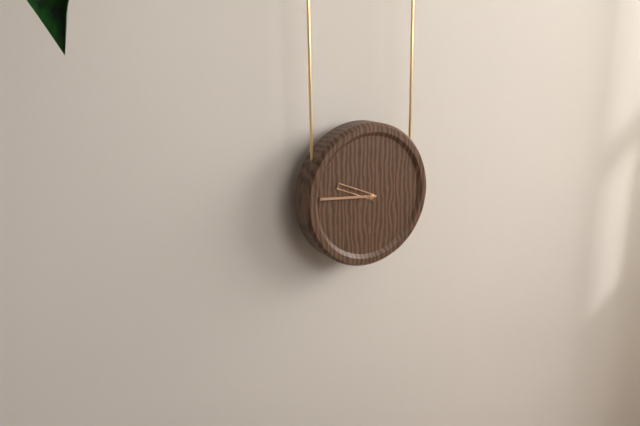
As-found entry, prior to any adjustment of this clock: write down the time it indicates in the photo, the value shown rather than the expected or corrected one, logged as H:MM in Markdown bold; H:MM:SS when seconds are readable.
**9:46**
